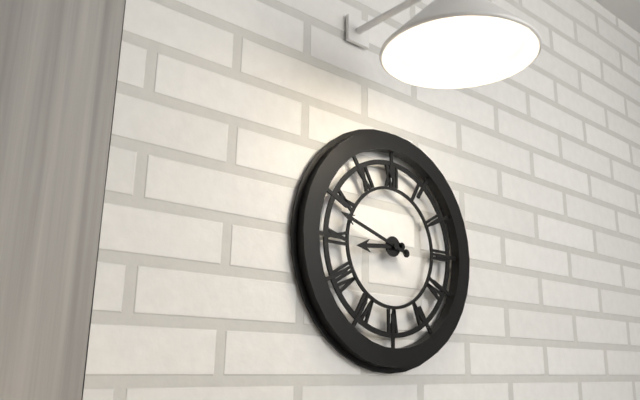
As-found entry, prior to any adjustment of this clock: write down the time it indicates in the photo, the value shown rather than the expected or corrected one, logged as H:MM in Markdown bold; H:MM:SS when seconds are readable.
**8:48**
